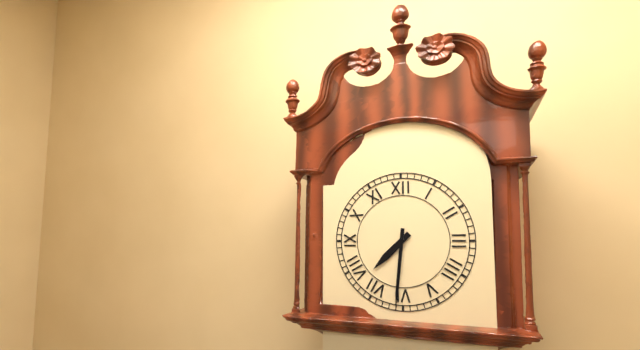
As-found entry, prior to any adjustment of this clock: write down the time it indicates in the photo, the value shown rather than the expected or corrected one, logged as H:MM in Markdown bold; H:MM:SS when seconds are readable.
**7:31**
